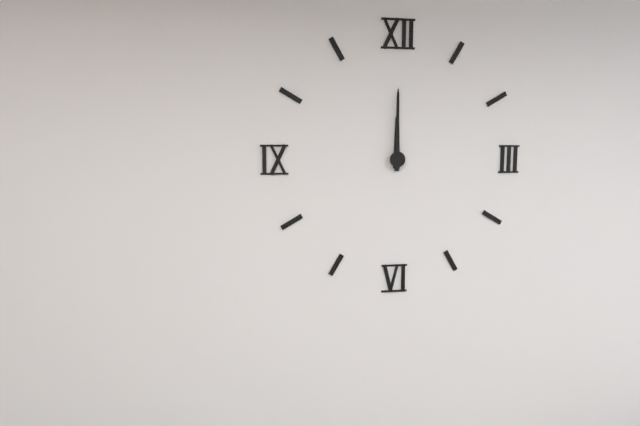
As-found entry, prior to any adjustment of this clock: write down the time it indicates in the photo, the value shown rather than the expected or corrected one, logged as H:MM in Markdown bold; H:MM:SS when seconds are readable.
**12:00**
